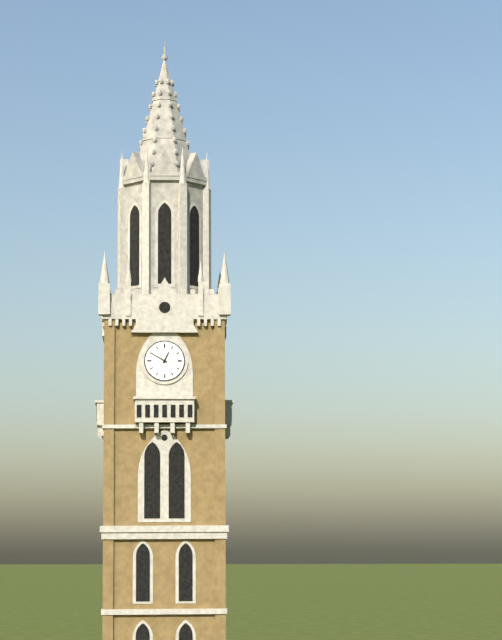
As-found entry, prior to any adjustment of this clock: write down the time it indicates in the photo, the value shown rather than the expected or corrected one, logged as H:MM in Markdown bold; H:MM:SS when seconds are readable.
**12:50**
